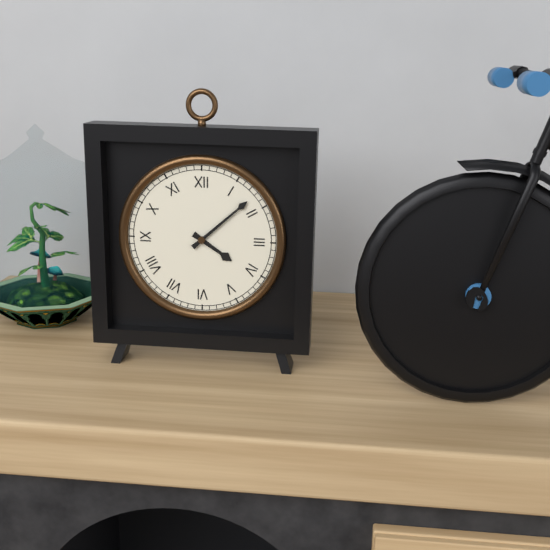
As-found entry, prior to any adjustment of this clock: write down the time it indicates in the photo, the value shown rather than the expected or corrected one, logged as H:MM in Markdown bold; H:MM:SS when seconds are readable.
**4:08**
